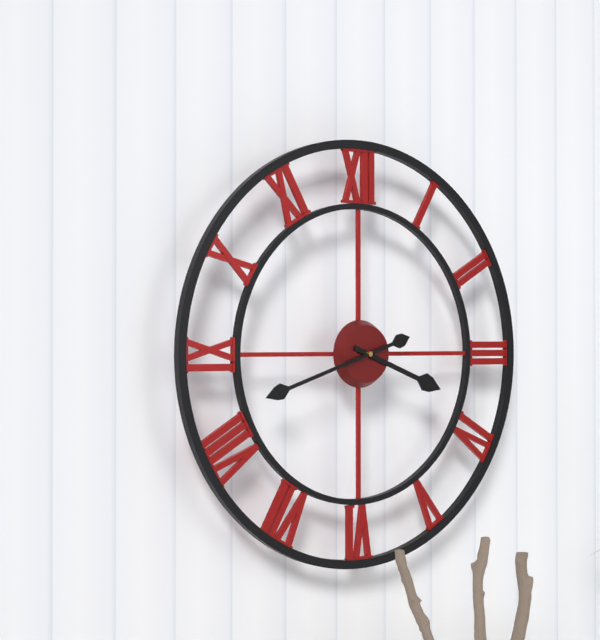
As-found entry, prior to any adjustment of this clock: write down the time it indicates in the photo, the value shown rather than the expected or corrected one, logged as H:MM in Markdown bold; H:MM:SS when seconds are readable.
**3:42**
